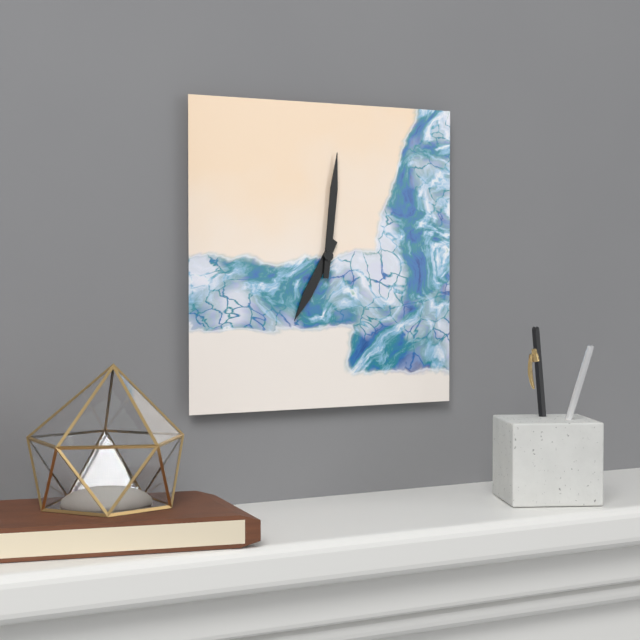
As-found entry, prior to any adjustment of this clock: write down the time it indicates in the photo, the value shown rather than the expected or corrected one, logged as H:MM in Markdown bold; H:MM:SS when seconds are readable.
**7:01**
